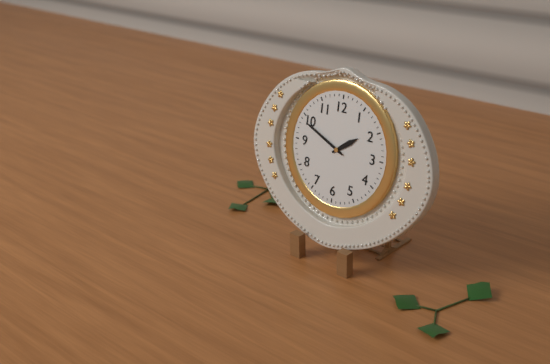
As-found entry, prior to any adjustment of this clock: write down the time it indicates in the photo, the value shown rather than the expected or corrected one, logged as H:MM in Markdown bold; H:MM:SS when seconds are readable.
**1:49**
